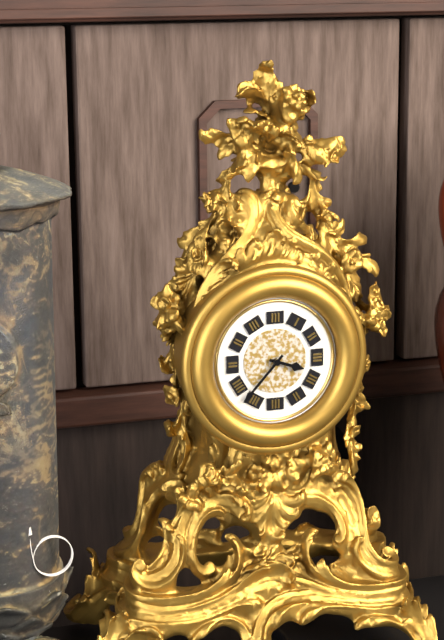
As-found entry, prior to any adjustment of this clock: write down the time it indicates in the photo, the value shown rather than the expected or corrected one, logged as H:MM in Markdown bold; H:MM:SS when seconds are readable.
**3:37**
